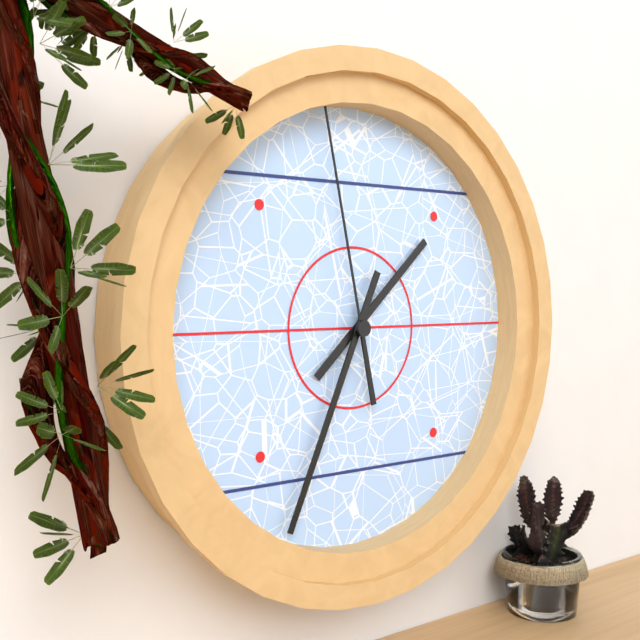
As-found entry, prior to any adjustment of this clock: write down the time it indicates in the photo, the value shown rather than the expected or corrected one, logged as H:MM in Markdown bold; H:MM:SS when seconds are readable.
**1:34:58**
